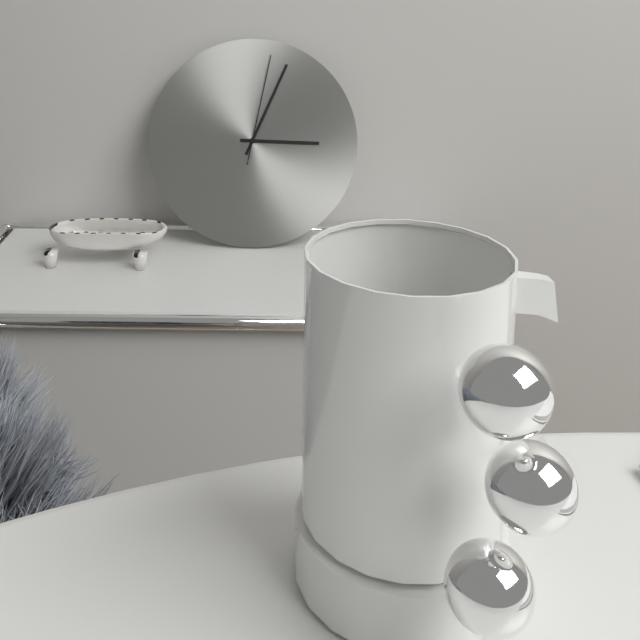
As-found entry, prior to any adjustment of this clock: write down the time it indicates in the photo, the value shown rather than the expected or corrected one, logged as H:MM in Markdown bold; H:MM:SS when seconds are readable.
**3:04:02**
